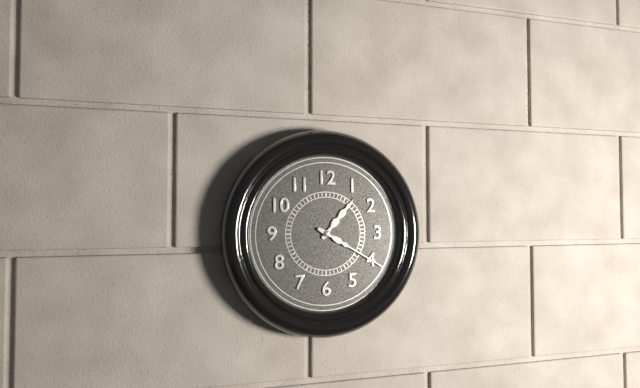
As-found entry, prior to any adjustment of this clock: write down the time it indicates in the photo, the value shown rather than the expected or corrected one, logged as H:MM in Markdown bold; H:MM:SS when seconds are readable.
**1:20**
